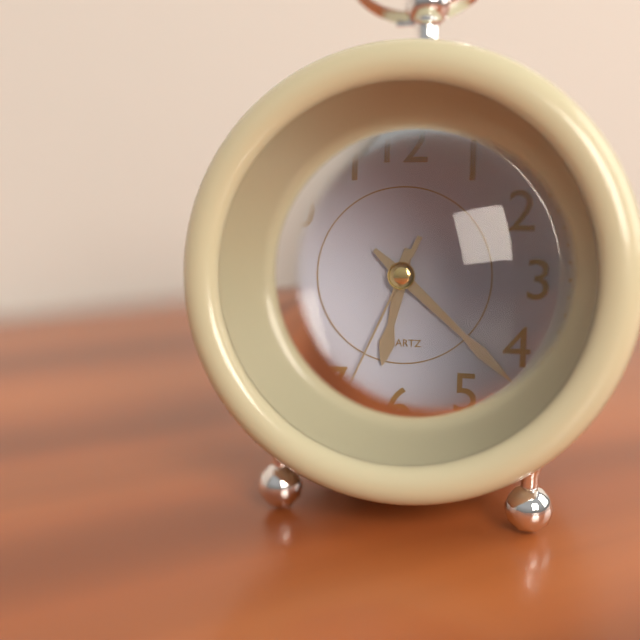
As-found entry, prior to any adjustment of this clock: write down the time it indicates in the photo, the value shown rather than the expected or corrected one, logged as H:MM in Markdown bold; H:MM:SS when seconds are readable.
**6:22:34**
